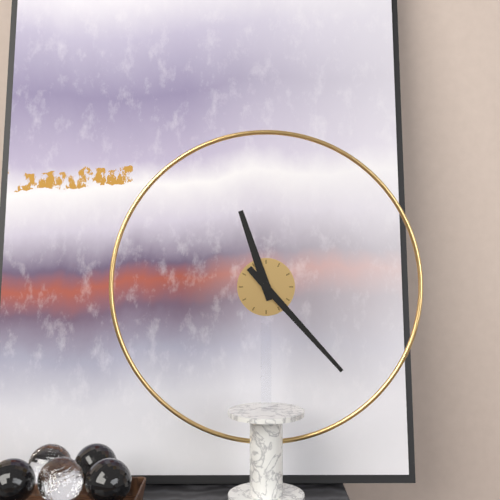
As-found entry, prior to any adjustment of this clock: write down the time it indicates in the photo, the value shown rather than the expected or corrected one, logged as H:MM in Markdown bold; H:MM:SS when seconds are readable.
**11:23**
